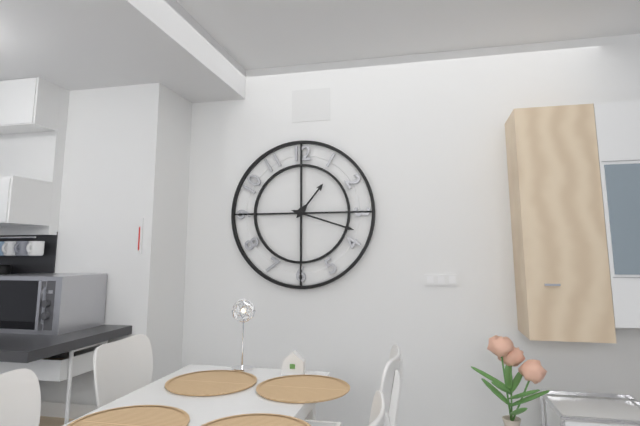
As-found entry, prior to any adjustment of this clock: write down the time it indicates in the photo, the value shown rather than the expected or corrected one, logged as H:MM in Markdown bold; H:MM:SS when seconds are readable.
**1:18**
